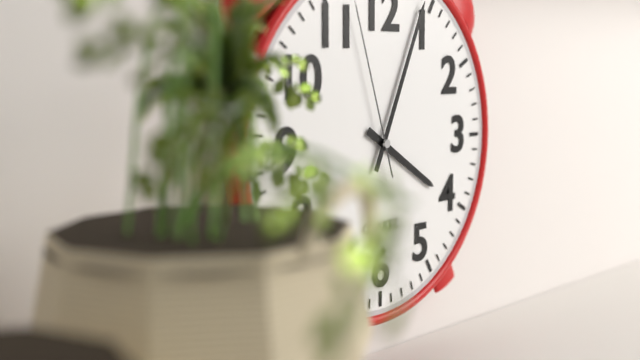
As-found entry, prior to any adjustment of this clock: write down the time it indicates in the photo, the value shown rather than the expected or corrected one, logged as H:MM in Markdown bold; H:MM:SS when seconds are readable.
**4:04:57**
